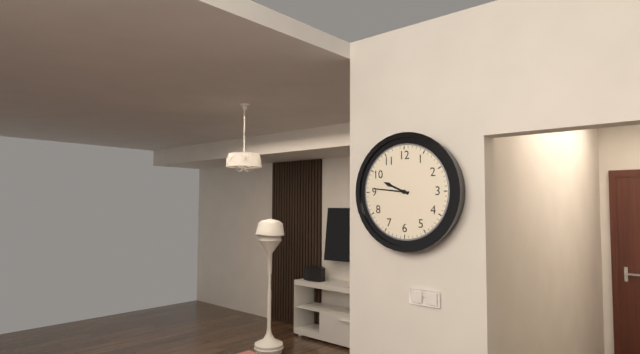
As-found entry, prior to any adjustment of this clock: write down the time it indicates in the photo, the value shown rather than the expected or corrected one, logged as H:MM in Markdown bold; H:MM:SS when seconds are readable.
**9:46**
